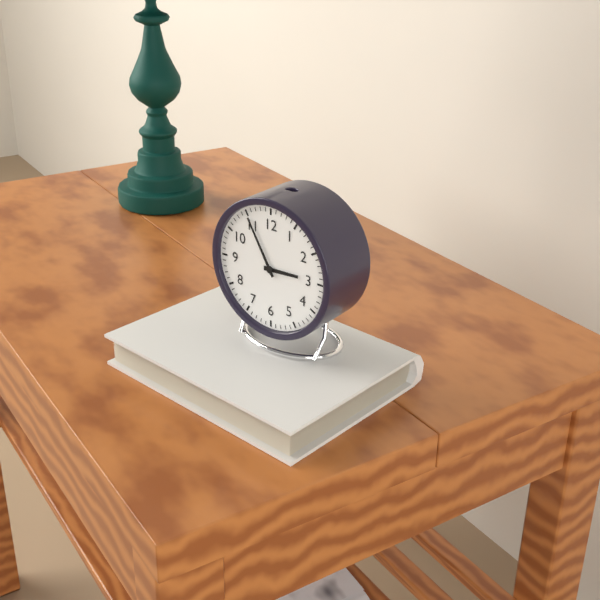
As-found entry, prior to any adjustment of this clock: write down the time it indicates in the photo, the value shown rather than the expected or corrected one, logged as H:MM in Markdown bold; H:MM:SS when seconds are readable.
**2:55**
